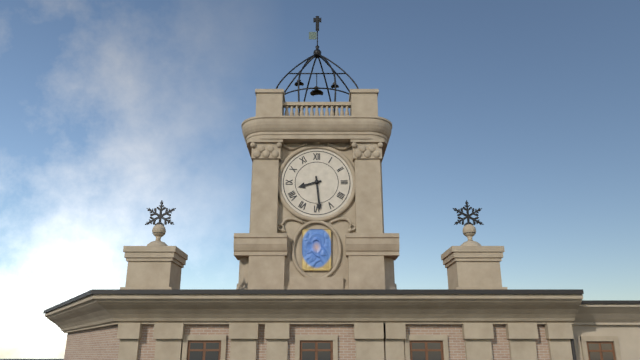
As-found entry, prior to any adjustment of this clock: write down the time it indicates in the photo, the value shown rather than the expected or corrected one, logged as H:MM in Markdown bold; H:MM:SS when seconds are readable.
**8:29**
